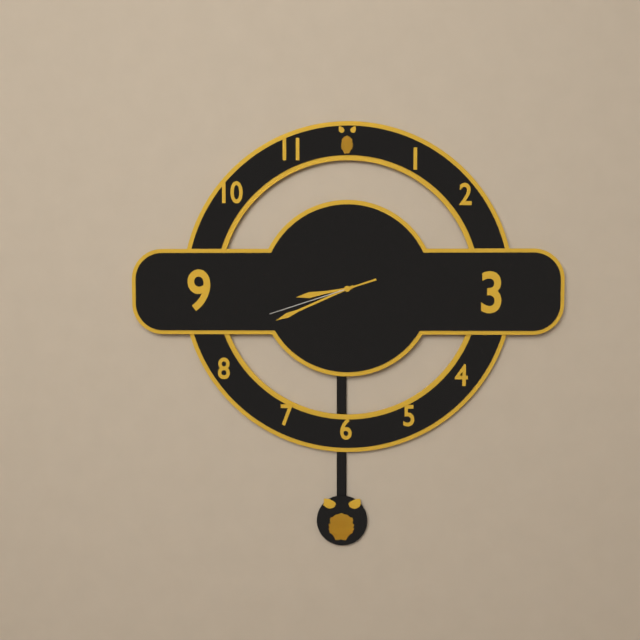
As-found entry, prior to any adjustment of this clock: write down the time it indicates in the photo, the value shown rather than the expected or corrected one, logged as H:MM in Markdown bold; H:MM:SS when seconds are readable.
**8:41:42**
